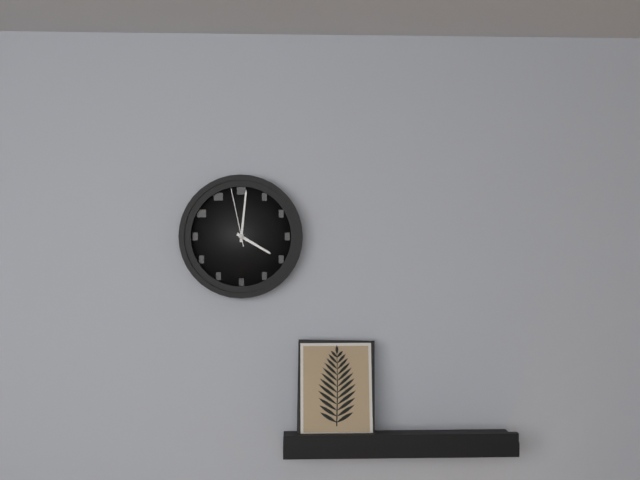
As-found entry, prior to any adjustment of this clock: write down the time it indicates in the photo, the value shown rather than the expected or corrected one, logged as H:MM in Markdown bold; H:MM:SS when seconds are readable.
**4:01:58**
